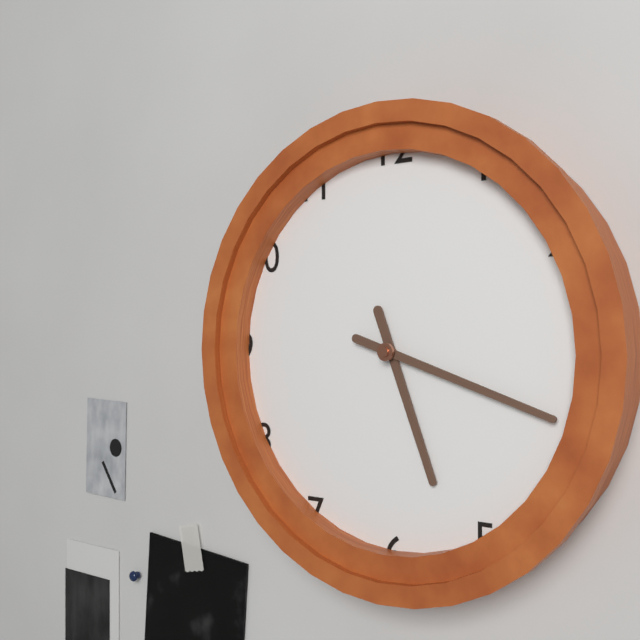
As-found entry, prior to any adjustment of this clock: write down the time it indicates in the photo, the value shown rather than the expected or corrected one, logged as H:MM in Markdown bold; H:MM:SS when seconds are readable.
**5:18**
